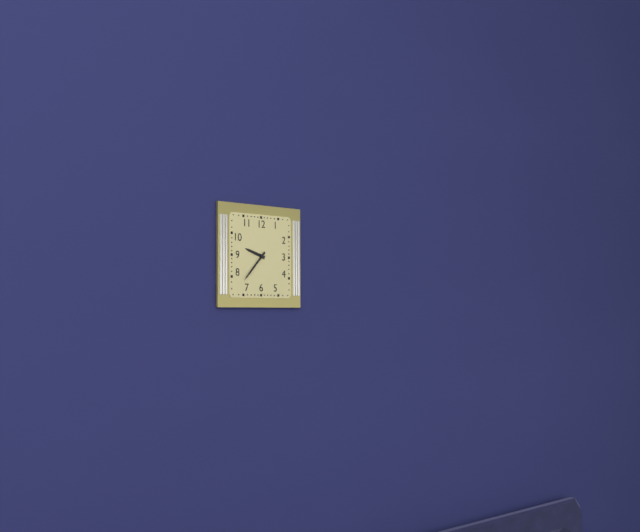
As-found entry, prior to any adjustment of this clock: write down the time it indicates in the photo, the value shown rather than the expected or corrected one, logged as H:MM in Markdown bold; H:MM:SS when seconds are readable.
**9:37**
